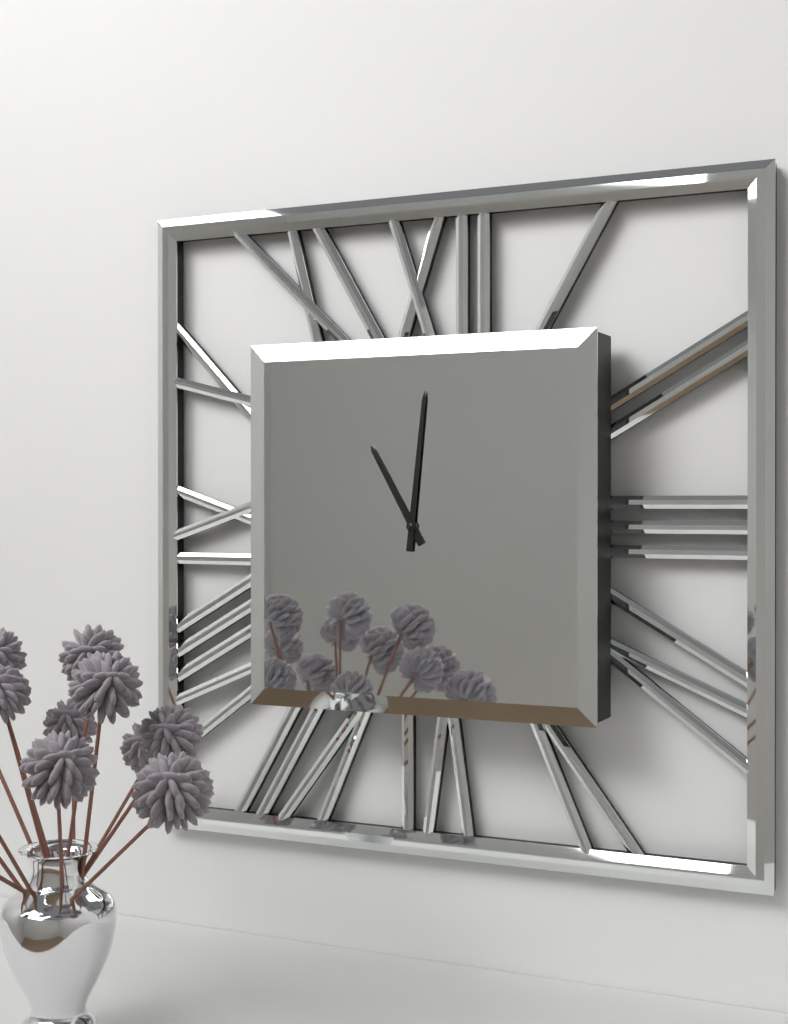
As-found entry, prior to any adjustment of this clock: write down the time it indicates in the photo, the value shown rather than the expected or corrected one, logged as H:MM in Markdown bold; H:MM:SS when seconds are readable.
**11:01**
